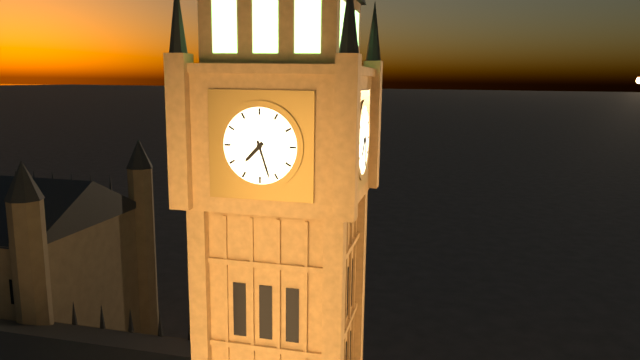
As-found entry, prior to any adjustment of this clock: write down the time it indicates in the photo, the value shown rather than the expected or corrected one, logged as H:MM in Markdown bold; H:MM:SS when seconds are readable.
**7:27**
